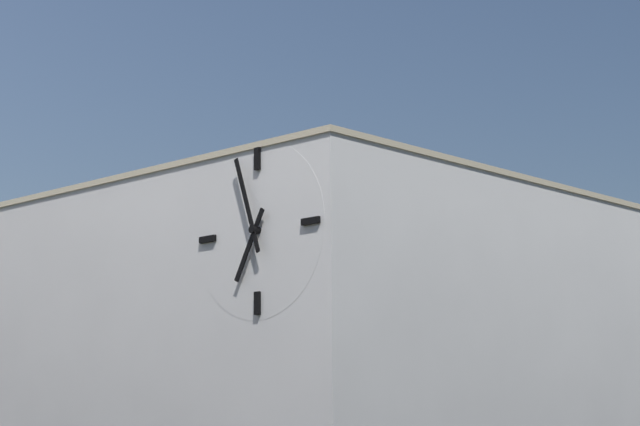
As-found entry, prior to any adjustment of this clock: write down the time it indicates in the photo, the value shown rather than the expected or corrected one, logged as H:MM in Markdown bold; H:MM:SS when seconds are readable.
**6:57**
